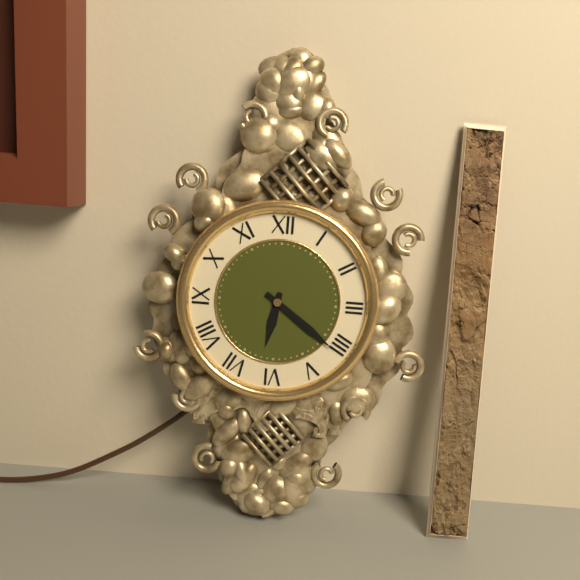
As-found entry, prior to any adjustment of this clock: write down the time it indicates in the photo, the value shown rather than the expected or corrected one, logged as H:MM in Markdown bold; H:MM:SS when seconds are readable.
**6:21**
